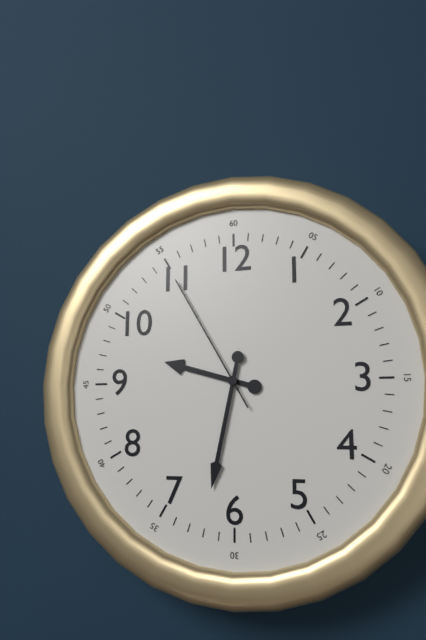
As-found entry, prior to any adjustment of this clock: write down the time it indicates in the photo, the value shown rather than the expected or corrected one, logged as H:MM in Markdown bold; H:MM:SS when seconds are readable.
**9:32:55**
